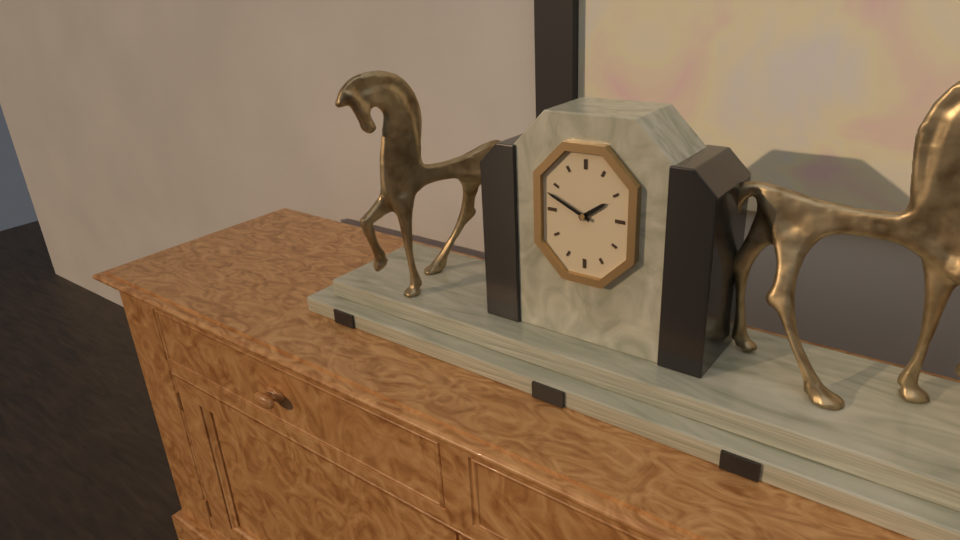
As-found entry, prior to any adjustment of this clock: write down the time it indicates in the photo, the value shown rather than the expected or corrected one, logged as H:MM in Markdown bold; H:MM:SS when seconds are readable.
**1:49**
